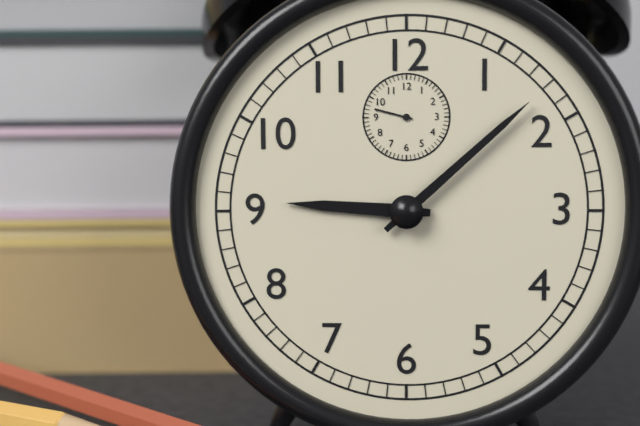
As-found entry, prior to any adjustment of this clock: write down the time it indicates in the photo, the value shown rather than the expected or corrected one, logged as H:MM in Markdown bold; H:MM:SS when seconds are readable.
**9:08**
